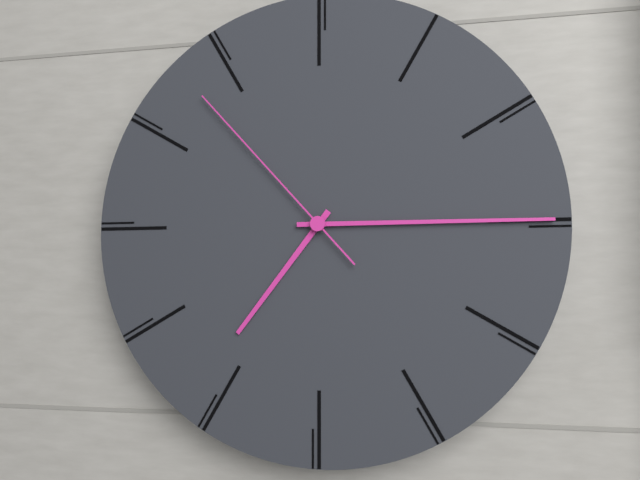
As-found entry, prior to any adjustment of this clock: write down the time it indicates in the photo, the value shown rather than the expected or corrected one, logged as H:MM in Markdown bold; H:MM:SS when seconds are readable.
**7:15:53**
